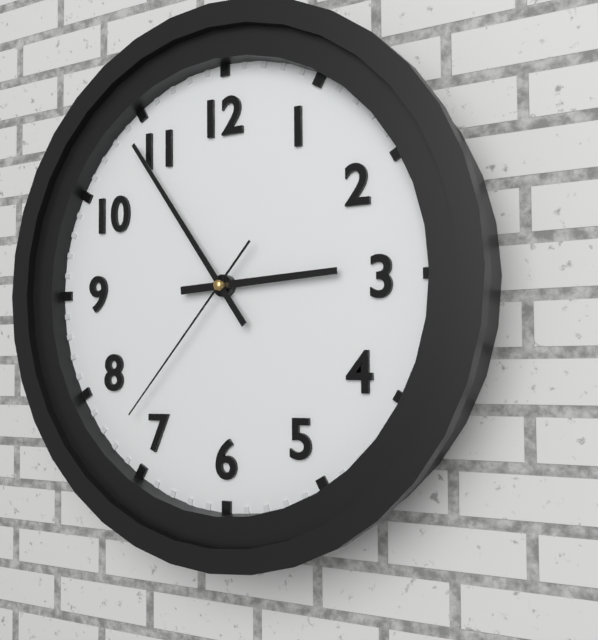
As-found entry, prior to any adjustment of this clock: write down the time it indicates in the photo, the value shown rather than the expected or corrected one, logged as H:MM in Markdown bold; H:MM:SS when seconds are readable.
**2:54:37**
